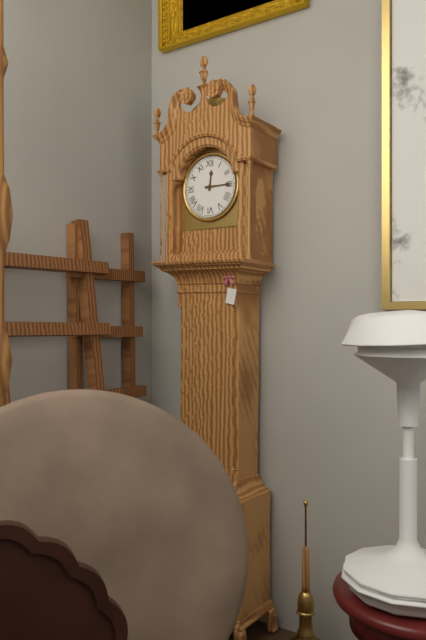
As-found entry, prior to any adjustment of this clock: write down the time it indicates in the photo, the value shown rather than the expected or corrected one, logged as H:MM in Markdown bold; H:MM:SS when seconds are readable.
**12:15**
